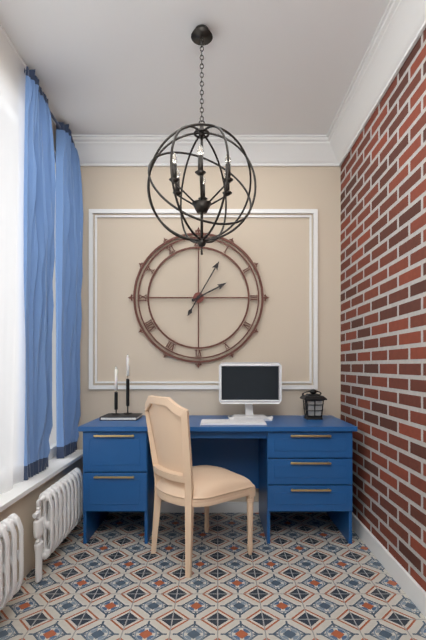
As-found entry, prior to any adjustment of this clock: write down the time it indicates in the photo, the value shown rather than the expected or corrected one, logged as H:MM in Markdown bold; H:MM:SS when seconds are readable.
**2:05**
